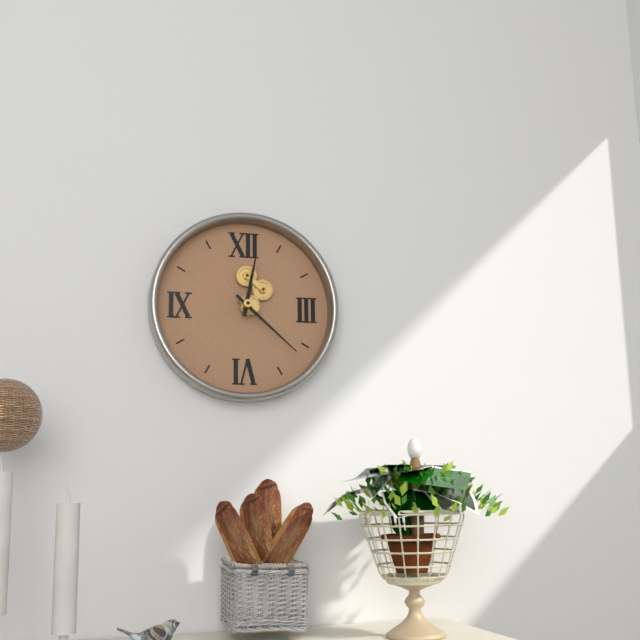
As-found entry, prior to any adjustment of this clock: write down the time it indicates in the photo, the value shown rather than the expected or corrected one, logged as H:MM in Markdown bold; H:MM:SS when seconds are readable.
**12:22**
